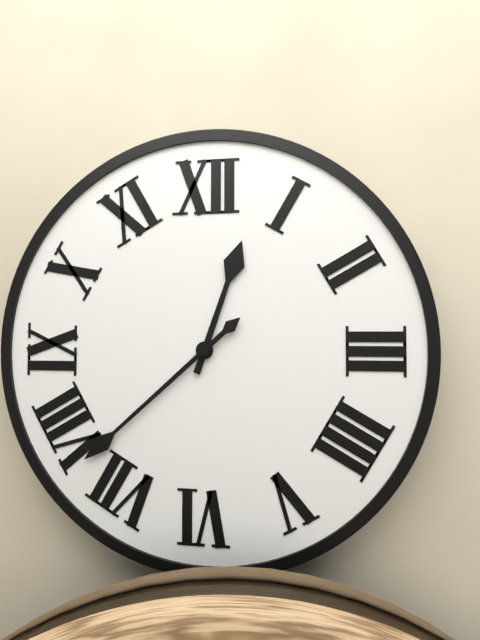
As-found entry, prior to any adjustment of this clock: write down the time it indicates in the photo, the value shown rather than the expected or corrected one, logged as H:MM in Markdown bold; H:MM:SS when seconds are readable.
**12:38**
